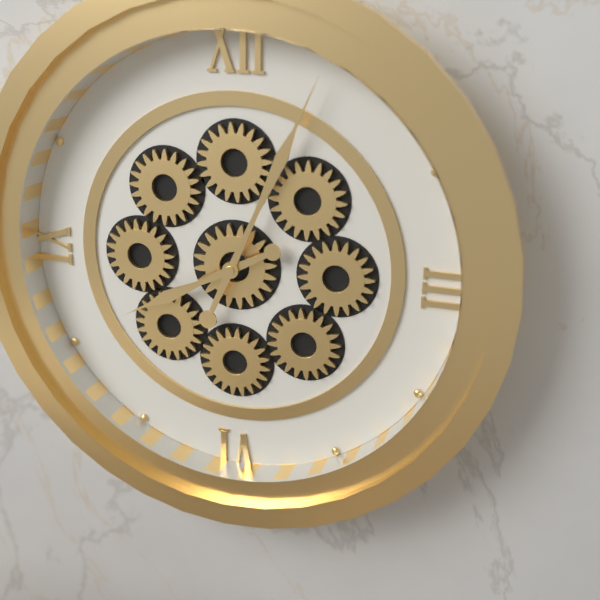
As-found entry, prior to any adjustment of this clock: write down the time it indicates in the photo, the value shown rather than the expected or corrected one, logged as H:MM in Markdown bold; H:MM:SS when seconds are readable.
**8:04**
